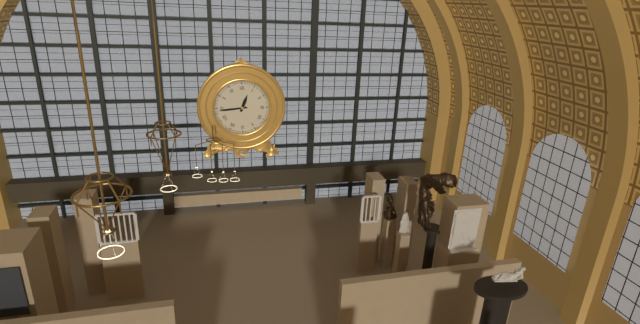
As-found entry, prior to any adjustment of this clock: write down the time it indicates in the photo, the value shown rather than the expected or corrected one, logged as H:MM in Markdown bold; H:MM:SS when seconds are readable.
**12:44**
